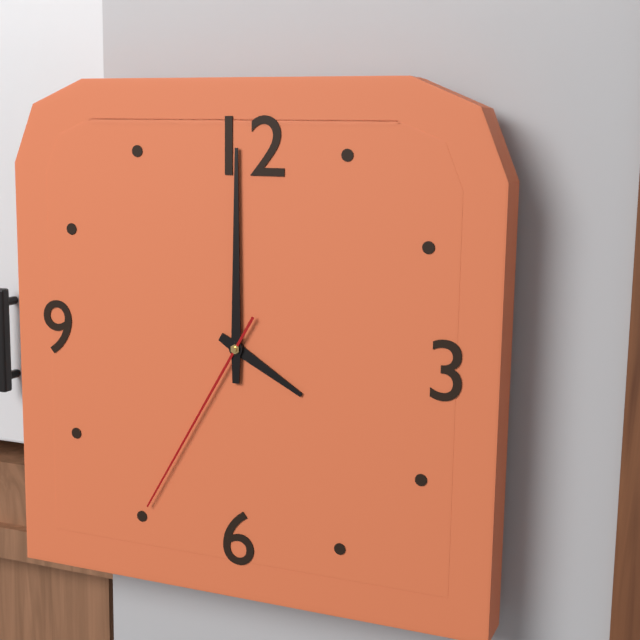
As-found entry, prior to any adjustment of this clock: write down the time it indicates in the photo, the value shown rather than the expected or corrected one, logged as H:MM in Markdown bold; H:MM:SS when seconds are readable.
**4:00:35**
